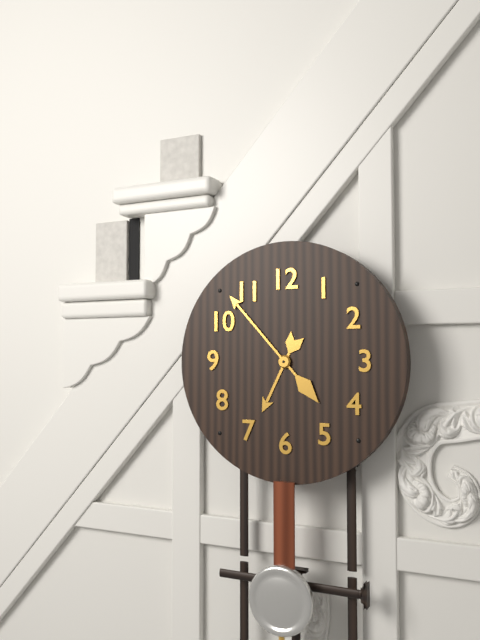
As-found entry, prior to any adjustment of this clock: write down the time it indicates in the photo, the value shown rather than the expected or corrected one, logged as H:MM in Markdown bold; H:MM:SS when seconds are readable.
**6:53**
